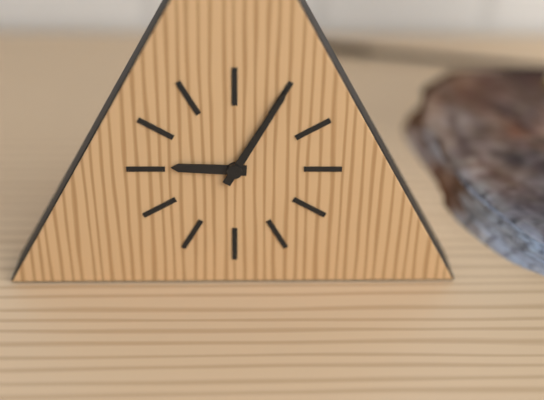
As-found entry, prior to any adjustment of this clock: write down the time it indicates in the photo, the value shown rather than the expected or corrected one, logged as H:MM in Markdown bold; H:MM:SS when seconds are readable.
**9:05**
